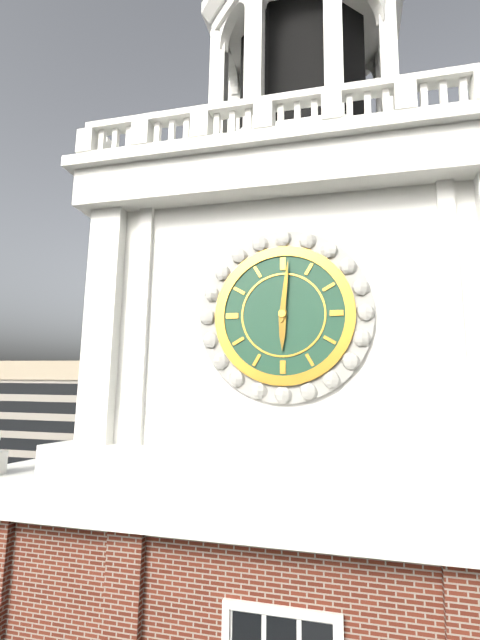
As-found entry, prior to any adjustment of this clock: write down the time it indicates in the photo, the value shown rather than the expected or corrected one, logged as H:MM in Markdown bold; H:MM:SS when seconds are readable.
**6:01**
